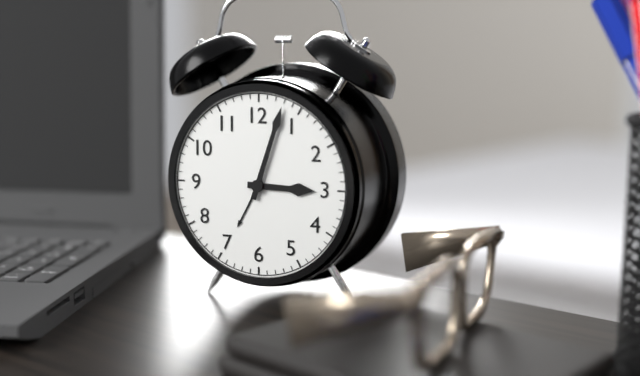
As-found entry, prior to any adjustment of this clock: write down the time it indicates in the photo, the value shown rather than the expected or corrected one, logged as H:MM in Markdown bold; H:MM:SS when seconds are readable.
**3:03**
